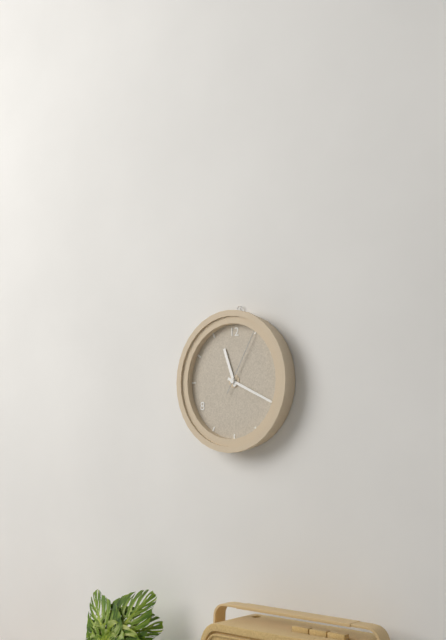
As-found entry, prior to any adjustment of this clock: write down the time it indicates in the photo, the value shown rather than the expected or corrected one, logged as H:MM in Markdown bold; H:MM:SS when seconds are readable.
**11:19:05**
